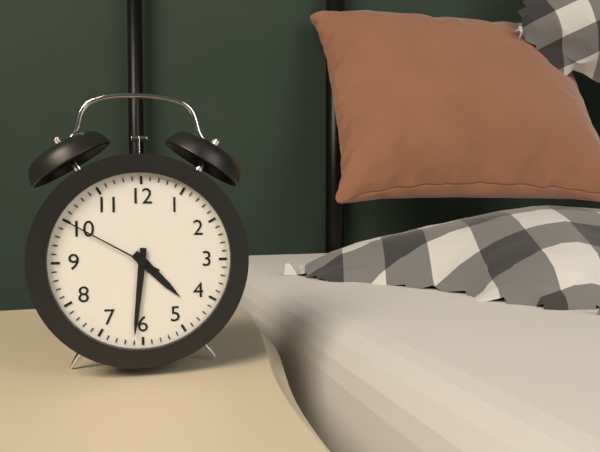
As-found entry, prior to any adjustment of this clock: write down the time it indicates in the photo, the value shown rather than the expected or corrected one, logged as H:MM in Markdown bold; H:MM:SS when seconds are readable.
**4:31:50**
